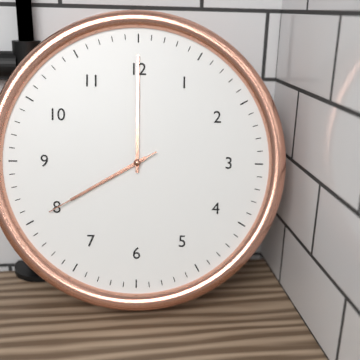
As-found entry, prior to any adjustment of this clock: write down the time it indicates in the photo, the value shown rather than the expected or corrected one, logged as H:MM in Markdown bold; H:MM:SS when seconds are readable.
**8:00:40**
